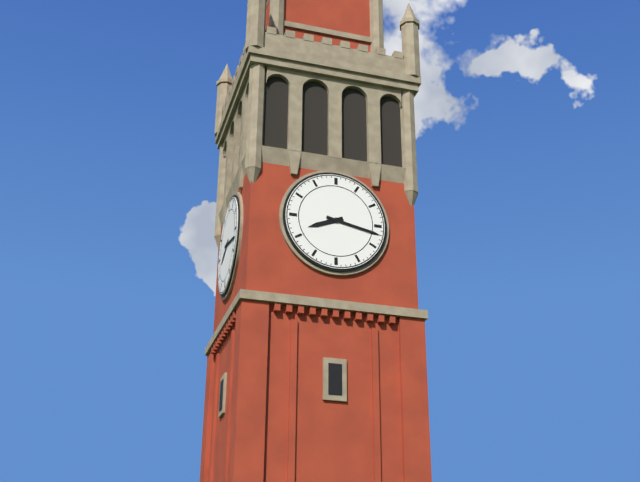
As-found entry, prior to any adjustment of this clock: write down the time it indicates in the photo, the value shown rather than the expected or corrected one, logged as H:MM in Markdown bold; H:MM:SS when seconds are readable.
**8:17**
